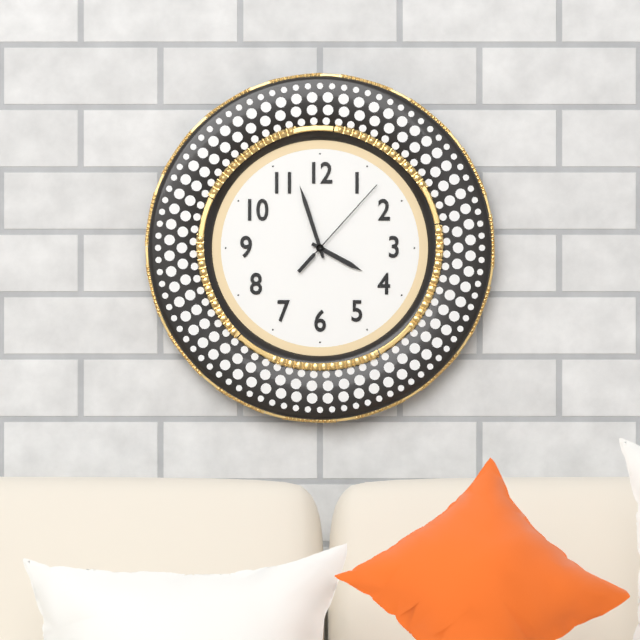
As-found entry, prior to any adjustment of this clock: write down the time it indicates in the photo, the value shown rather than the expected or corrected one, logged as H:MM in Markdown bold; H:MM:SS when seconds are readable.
**3:57:07**
